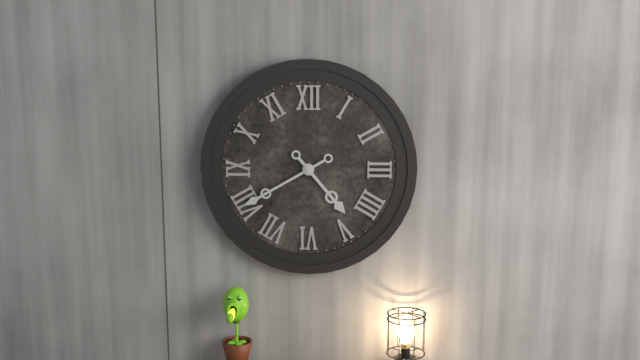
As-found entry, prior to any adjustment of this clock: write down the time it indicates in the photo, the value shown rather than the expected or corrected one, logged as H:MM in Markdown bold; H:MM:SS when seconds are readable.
**4:40**
